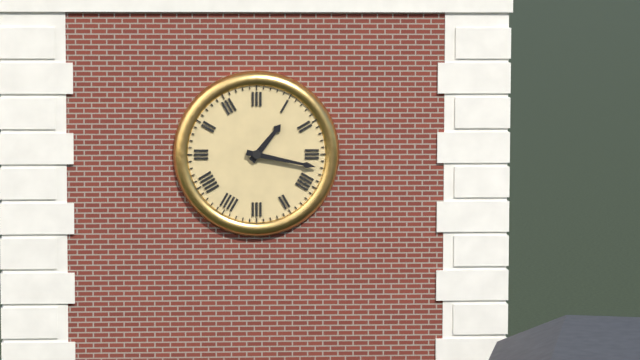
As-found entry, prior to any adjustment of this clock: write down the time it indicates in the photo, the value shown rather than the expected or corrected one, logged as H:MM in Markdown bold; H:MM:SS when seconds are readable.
**1:17**
